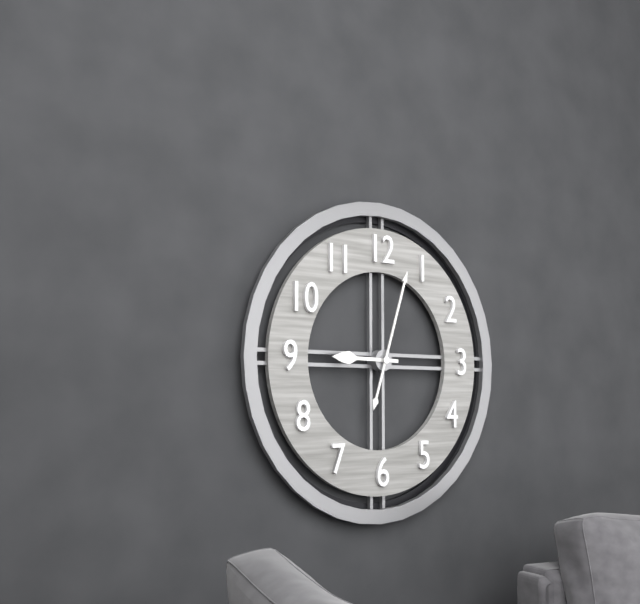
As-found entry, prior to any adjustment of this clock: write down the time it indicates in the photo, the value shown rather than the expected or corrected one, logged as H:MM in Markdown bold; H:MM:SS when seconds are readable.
**9:03**
